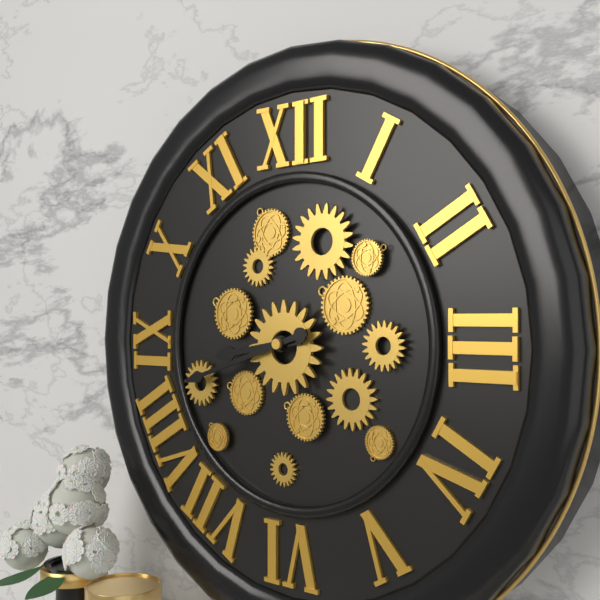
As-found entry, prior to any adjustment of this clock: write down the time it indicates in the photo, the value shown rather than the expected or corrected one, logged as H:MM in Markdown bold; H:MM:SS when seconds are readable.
**8:42**
